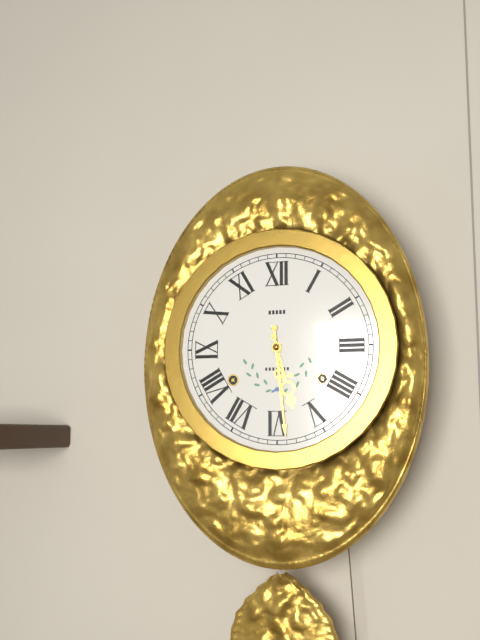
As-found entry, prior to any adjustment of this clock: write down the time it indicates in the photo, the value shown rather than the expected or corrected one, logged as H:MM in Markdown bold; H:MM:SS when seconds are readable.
**5:29**
